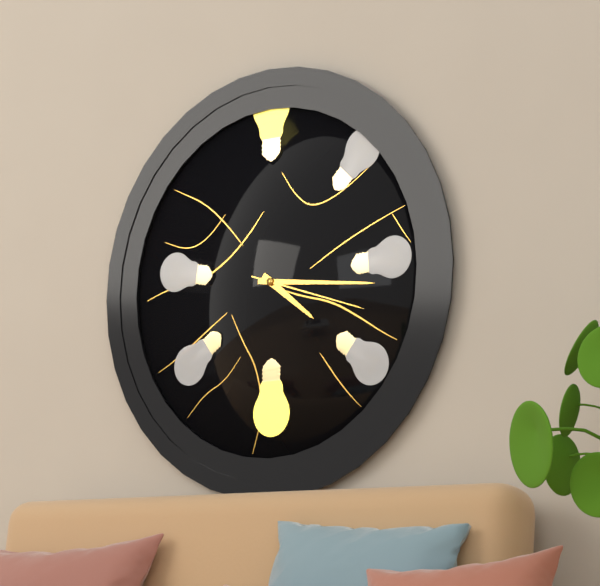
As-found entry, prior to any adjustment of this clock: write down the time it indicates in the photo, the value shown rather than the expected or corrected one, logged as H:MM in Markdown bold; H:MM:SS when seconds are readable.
**4:16:18**
